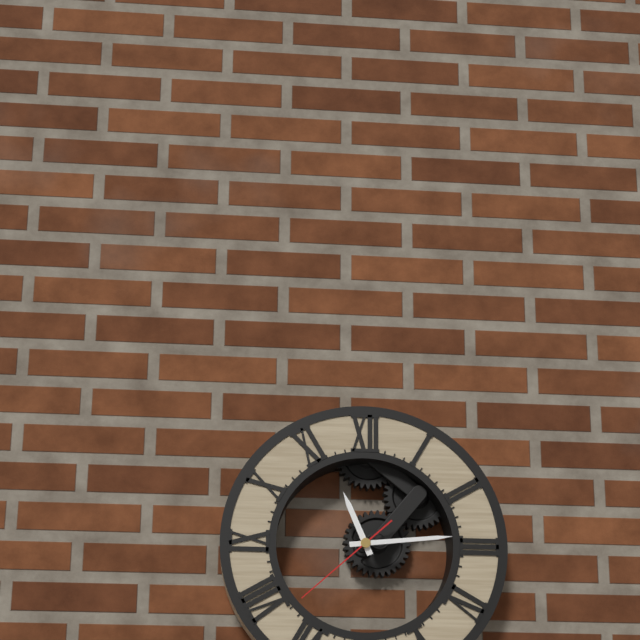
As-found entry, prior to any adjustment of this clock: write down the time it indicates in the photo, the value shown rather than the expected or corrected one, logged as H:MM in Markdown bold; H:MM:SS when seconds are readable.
**11:14:38**
